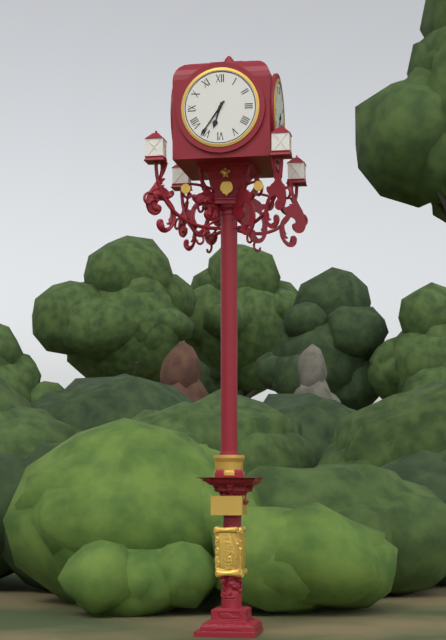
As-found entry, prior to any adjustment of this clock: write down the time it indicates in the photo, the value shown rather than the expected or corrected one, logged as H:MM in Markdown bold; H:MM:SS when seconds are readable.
**6:36**
